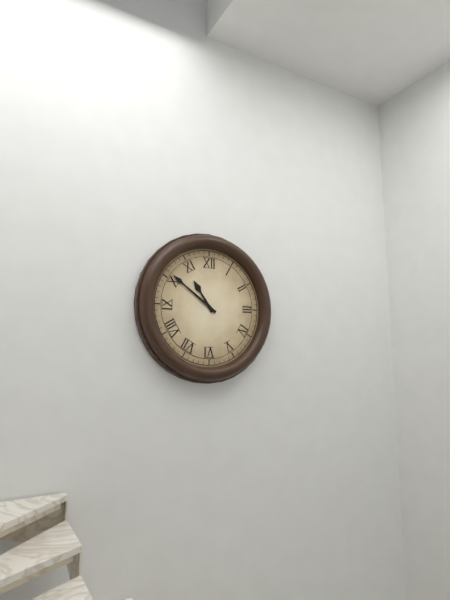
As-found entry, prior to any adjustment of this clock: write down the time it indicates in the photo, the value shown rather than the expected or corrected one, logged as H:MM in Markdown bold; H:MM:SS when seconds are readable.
**10:51**
